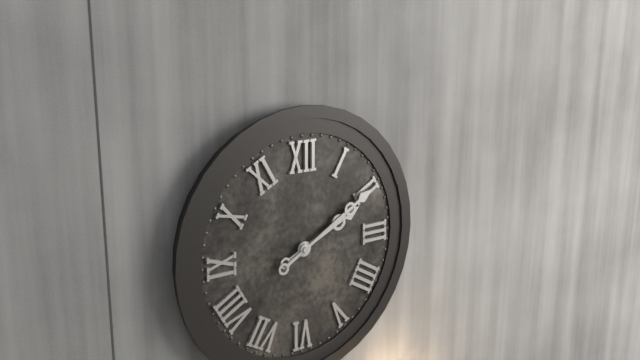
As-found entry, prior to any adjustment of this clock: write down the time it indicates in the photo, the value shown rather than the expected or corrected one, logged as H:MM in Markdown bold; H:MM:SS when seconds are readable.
**2:10**
